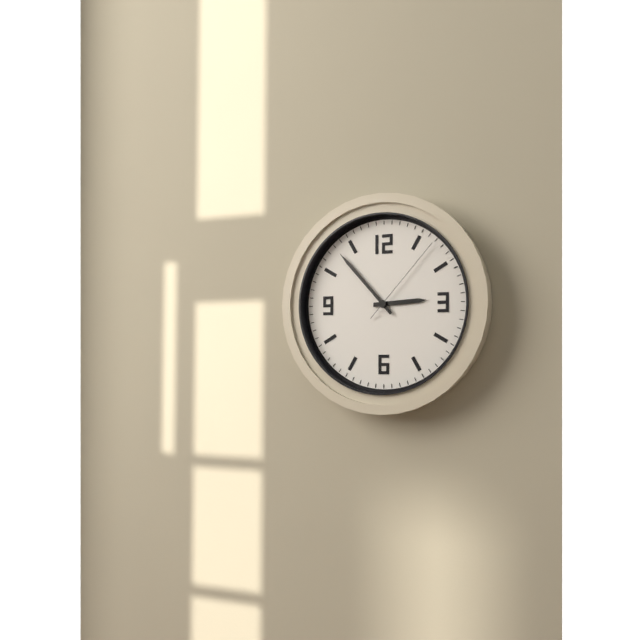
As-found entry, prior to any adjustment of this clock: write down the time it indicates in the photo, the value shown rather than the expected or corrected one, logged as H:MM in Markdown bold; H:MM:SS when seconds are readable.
**2:53:07**
